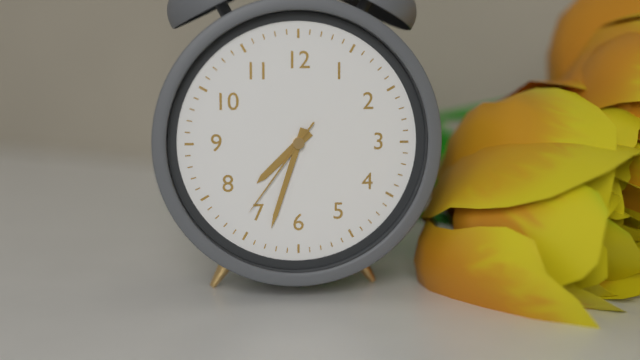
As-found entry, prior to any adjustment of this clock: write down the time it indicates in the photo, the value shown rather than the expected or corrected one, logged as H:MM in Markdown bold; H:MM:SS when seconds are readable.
**7:33:36**
